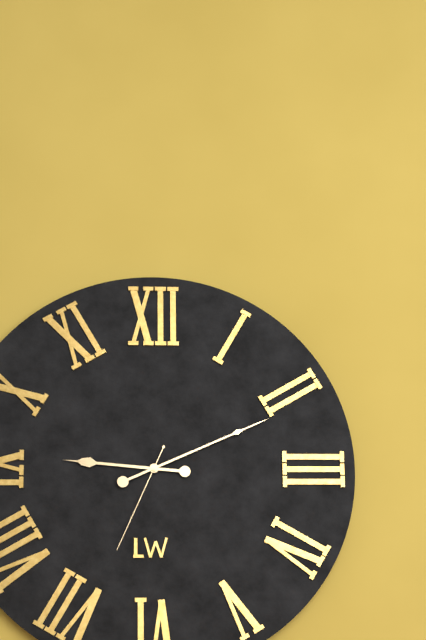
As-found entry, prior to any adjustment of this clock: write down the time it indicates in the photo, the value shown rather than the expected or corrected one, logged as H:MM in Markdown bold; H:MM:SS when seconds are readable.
**9:11:34**
